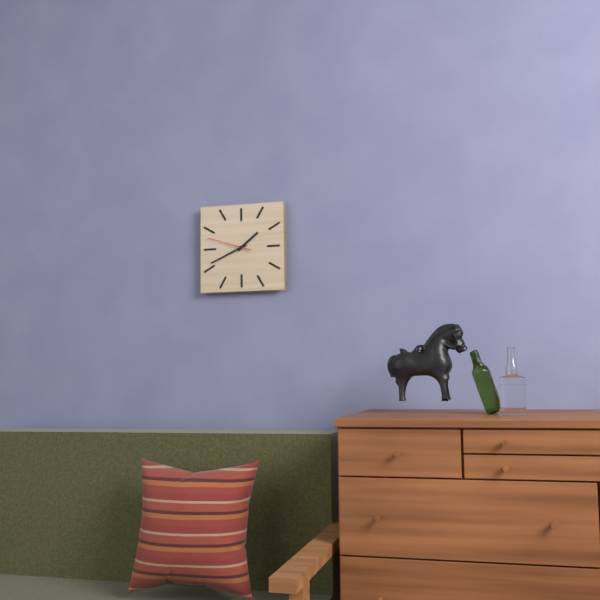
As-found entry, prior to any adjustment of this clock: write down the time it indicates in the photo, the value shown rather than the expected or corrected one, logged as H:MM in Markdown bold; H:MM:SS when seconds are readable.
**1:41**
